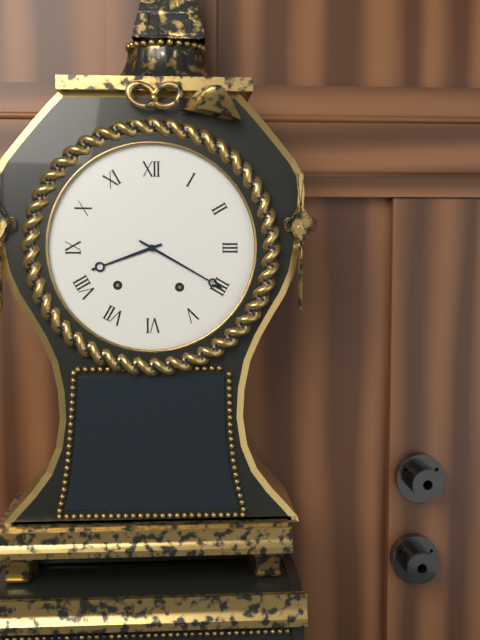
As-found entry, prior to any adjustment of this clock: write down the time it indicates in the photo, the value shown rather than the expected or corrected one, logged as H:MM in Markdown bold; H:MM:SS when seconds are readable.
**8:20**
